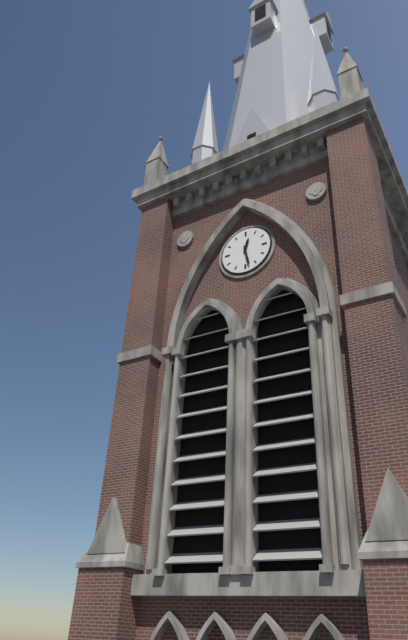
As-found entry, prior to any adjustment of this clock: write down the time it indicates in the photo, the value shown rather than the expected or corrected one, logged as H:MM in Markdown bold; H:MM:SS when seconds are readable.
**12:28**
